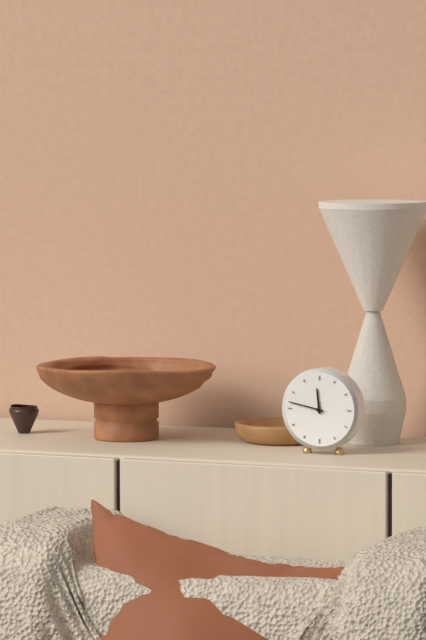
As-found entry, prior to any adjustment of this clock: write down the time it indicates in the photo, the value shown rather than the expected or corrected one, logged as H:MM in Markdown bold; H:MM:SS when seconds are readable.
**11:47**
